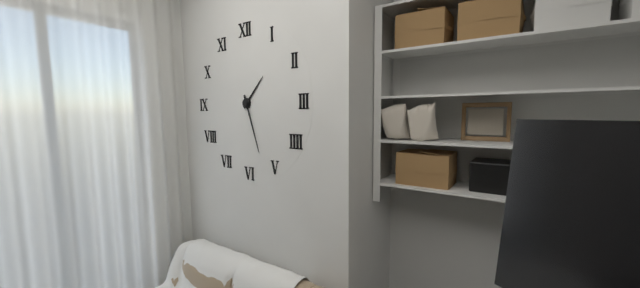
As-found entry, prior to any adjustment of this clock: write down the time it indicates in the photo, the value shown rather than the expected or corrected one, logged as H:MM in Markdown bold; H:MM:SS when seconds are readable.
**1:27**
